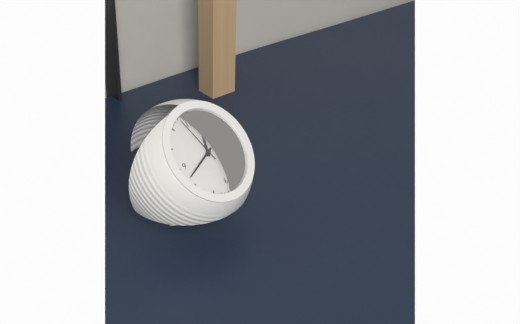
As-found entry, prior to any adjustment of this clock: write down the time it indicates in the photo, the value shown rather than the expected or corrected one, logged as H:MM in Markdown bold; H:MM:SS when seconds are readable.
**12:42:58**
